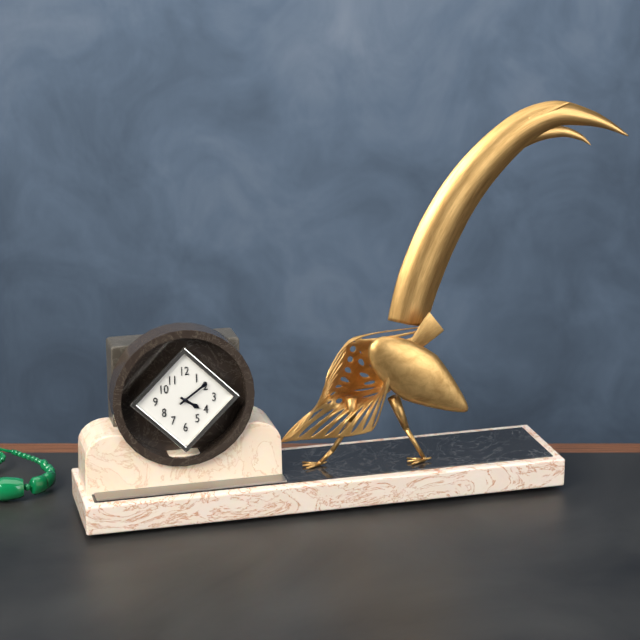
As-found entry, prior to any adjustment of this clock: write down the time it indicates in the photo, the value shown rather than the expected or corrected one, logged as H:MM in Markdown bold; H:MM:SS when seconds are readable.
**4:09**
